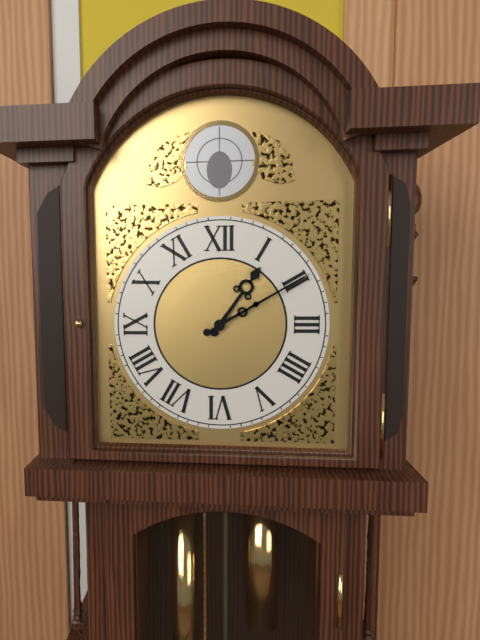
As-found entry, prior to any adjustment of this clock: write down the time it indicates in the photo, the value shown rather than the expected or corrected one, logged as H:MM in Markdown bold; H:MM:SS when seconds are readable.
**1:10**
